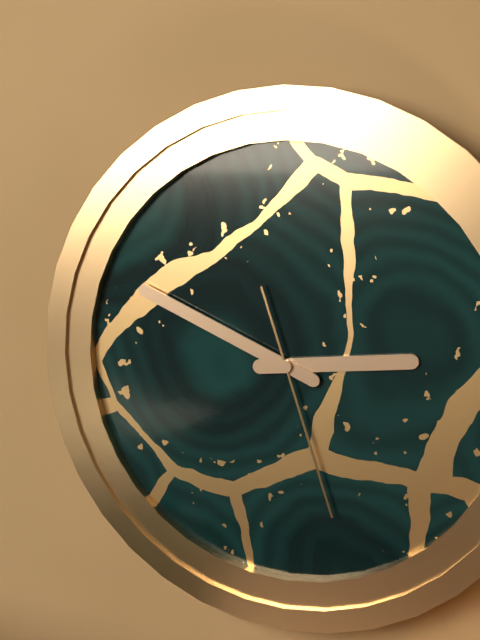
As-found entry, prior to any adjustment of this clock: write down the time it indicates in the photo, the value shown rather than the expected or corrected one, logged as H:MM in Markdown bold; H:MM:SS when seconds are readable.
**2:49:27**
